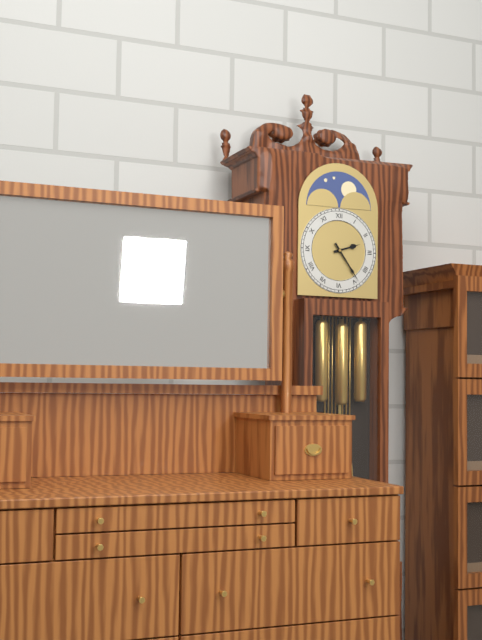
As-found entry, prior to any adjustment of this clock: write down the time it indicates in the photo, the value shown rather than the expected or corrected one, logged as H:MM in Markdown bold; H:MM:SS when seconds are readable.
**2:24**
